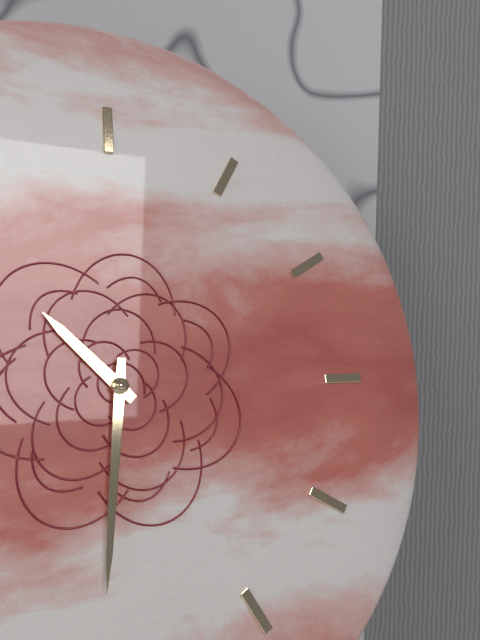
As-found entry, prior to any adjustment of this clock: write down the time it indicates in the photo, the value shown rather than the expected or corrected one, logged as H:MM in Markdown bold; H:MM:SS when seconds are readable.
**10:31**
